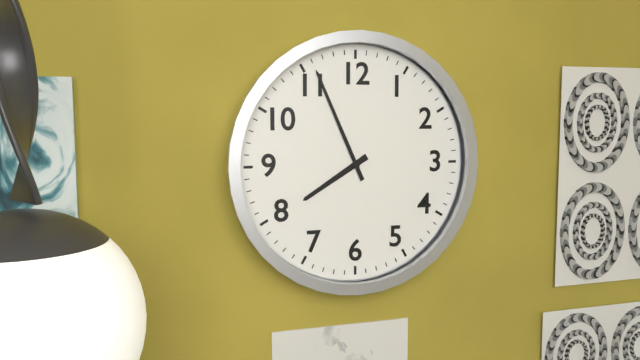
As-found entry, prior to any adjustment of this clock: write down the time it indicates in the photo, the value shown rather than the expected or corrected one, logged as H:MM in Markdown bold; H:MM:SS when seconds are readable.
**7:56**
